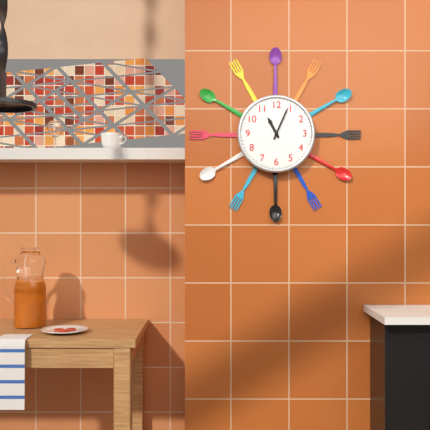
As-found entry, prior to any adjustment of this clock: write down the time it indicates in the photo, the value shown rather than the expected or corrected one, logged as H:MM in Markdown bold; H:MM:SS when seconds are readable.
**11:04**
